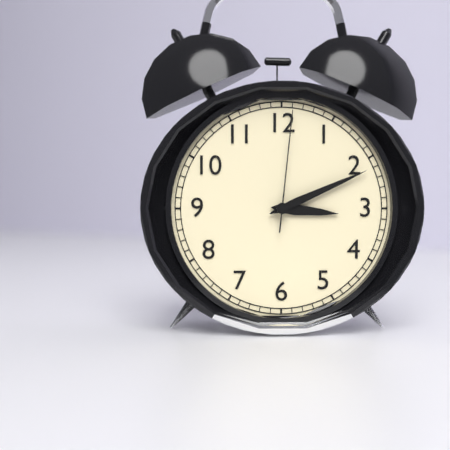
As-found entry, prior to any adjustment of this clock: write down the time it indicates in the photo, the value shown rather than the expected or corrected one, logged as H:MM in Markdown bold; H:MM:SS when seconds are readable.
**3:11:01**
